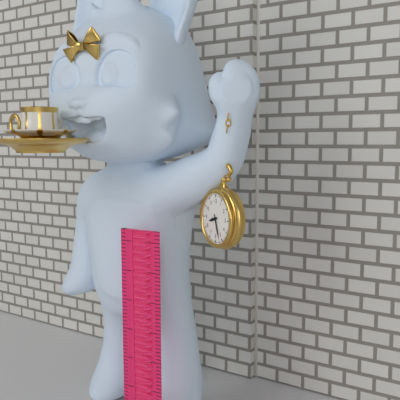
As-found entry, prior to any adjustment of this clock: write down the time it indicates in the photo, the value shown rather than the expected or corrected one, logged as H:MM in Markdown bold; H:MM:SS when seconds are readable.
**8:27**
